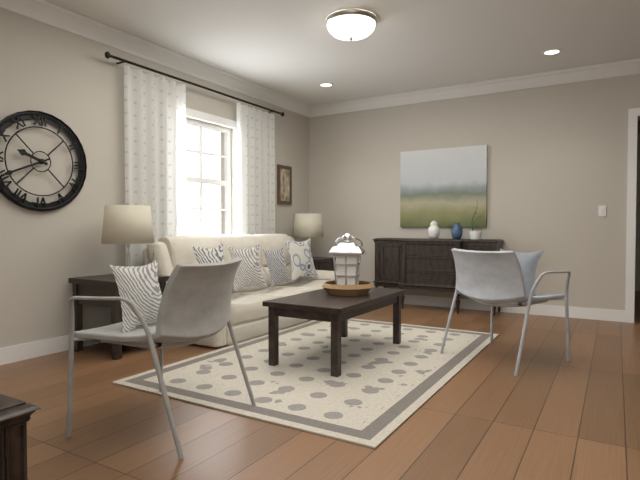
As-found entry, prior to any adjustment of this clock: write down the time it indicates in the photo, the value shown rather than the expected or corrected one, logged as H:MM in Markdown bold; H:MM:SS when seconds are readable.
**9:41**
